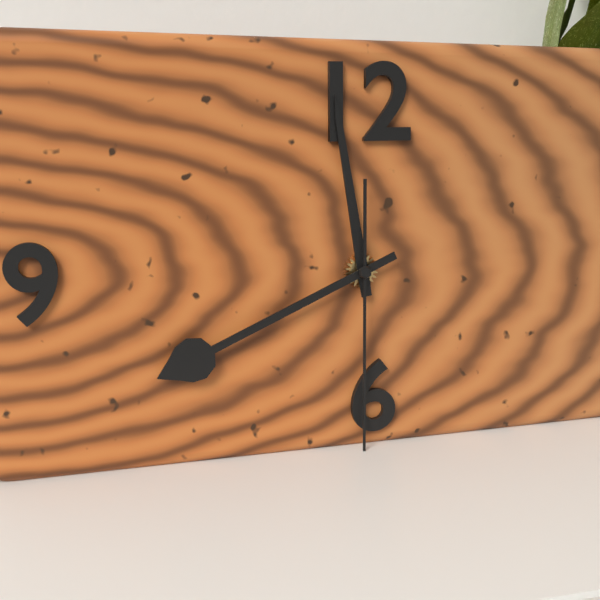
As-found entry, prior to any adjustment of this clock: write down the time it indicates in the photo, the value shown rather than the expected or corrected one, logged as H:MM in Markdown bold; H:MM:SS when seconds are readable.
**11:41:30**
